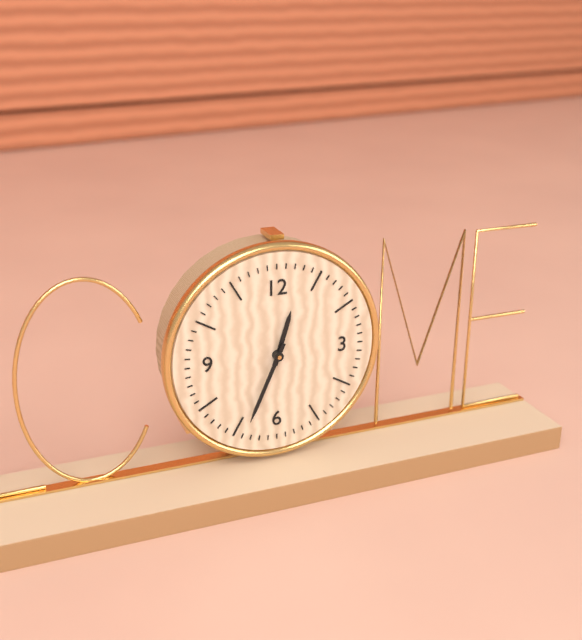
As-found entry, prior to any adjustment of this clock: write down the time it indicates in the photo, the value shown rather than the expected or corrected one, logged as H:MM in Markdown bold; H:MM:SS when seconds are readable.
**12:34**
